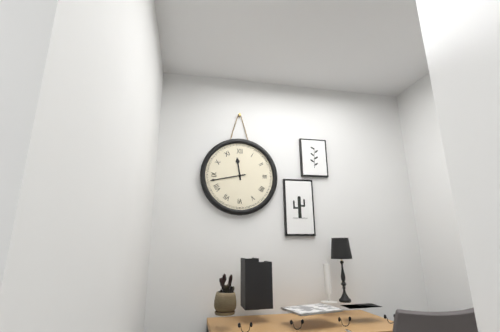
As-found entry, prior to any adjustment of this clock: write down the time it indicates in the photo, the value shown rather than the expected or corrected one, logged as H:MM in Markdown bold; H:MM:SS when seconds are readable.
**11:43**
